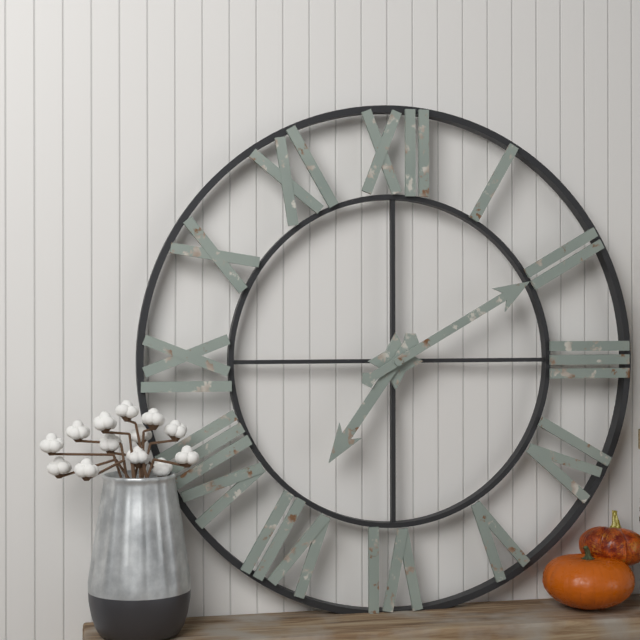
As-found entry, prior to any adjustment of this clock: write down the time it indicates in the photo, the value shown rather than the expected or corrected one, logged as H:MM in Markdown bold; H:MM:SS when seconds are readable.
**7:10**
